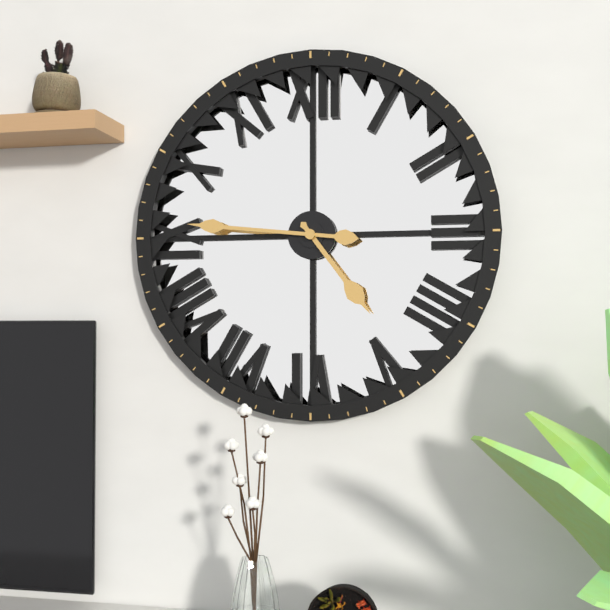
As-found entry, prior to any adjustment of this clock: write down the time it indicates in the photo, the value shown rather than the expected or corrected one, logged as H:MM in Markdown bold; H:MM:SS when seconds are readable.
**4:46**
